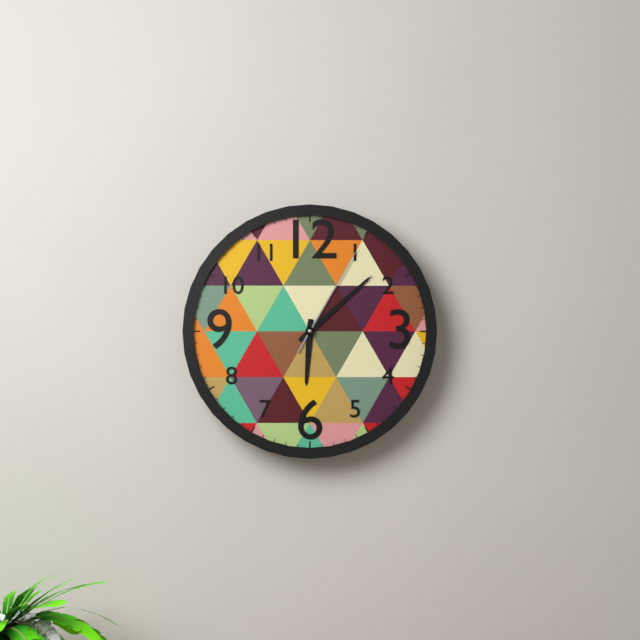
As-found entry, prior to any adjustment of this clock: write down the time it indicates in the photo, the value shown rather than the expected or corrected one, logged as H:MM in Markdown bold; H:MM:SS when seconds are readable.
**6:08:05**
